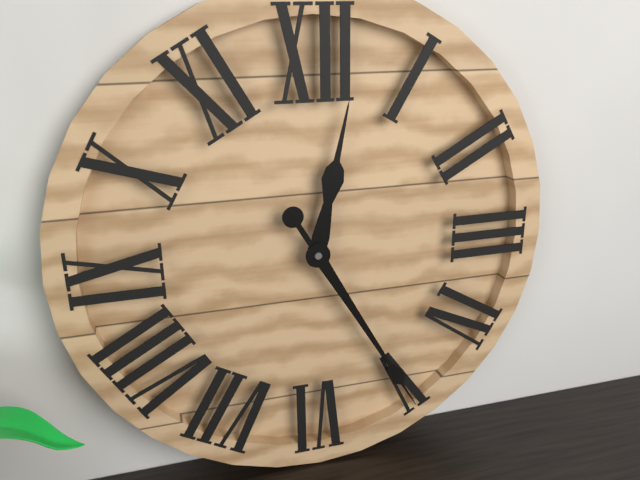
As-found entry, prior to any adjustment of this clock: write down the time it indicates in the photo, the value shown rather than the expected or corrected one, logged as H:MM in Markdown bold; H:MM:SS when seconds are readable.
**12:25**
